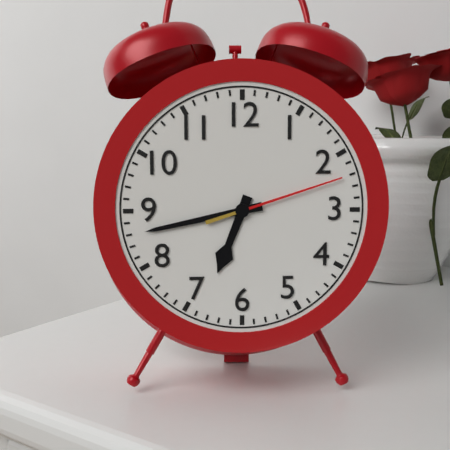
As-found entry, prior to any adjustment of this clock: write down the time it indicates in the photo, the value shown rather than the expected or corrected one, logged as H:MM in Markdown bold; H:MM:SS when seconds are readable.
**6:43:12**
